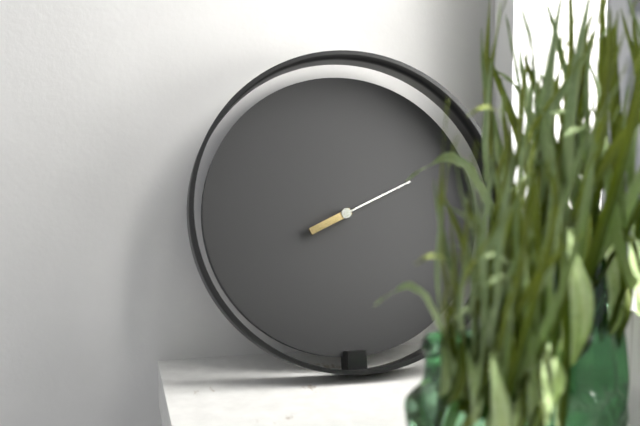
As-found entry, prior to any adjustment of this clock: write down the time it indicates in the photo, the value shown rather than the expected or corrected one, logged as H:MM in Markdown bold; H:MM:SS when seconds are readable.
**8:11**
